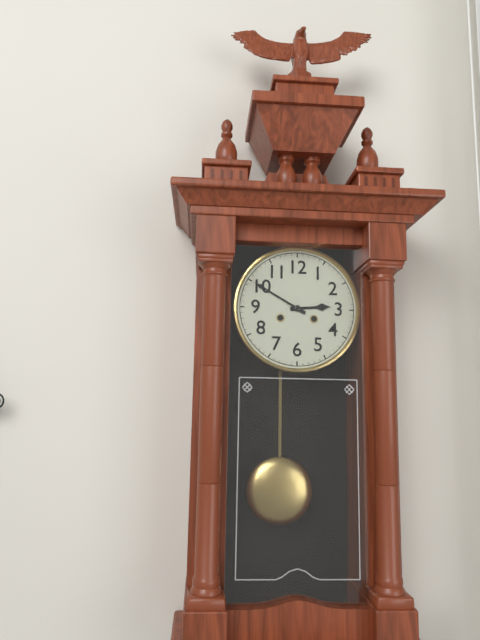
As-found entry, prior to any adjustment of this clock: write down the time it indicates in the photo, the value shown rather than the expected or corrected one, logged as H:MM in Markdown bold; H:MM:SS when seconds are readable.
**2:50**
